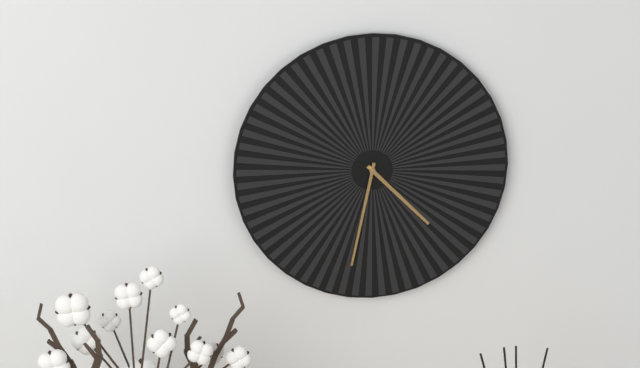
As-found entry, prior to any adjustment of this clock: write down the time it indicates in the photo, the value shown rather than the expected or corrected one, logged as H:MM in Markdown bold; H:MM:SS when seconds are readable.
**4:32**
